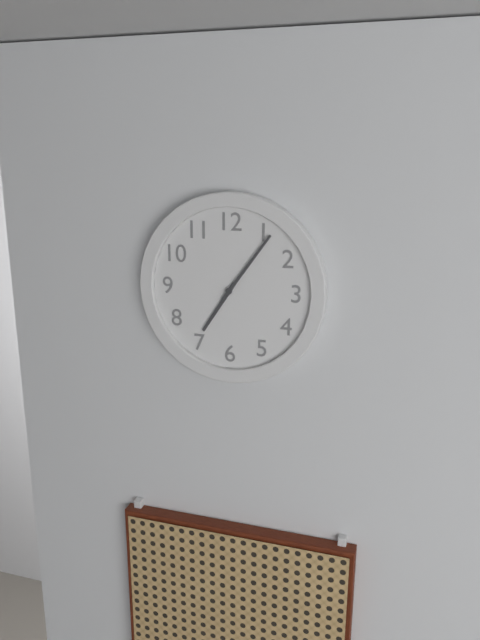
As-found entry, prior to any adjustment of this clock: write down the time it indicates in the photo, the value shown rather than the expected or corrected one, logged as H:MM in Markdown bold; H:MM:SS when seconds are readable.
**7:06**
